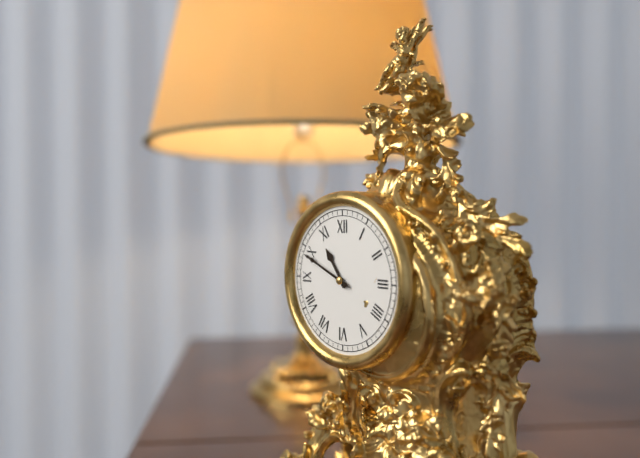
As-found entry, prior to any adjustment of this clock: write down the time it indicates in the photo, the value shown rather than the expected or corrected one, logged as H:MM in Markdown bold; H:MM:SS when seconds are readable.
**10:49**
